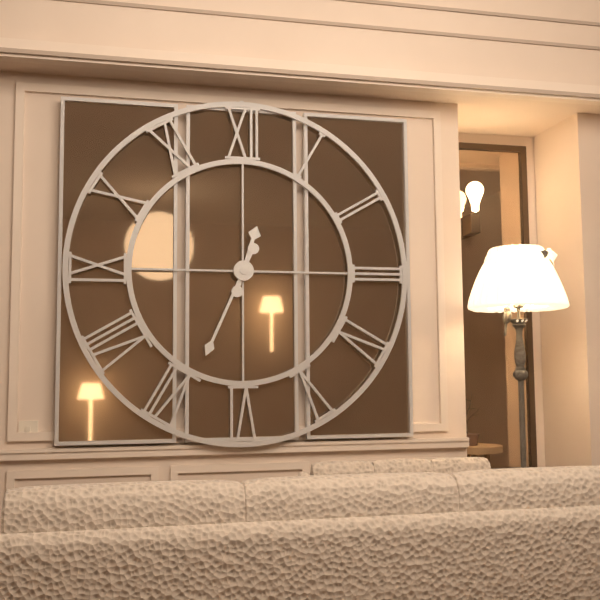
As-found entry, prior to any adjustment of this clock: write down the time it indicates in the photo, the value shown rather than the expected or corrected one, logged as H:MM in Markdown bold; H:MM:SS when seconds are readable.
**12:34**
